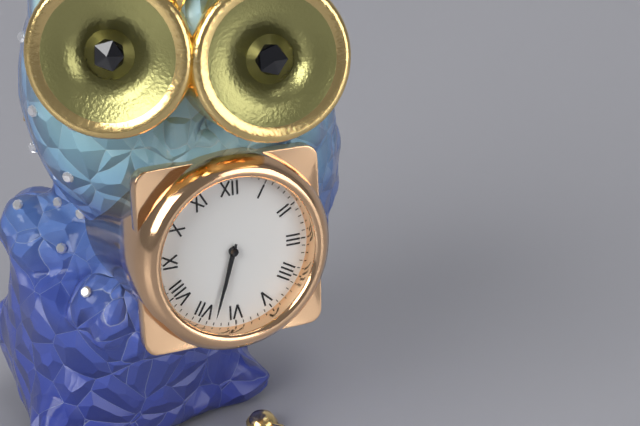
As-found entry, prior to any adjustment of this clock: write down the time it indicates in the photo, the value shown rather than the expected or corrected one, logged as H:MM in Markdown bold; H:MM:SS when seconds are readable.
**6:33**
